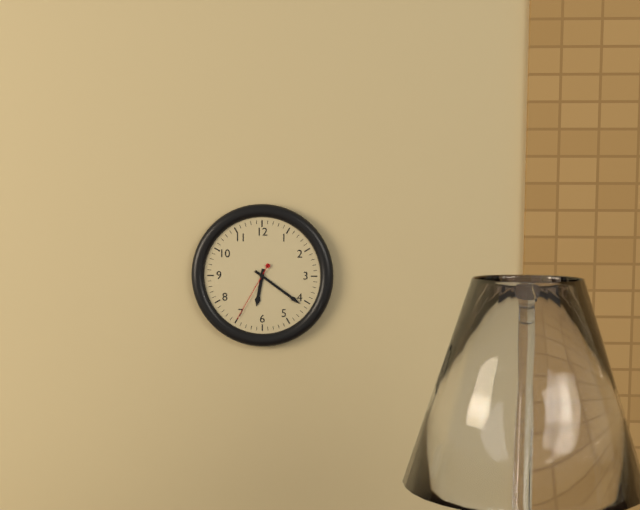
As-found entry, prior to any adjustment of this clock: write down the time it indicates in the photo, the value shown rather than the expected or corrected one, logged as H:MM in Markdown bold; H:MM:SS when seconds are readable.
**6:21:35**
